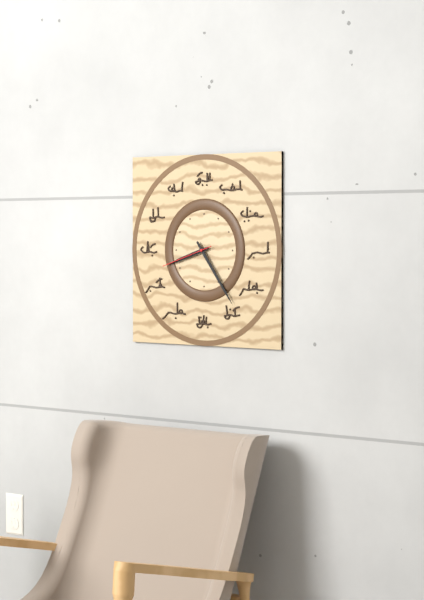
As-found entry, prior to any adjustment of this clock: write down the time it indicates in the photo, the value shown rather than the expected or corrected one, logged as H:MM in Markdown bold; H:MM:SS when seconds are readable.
**8:24:42**
